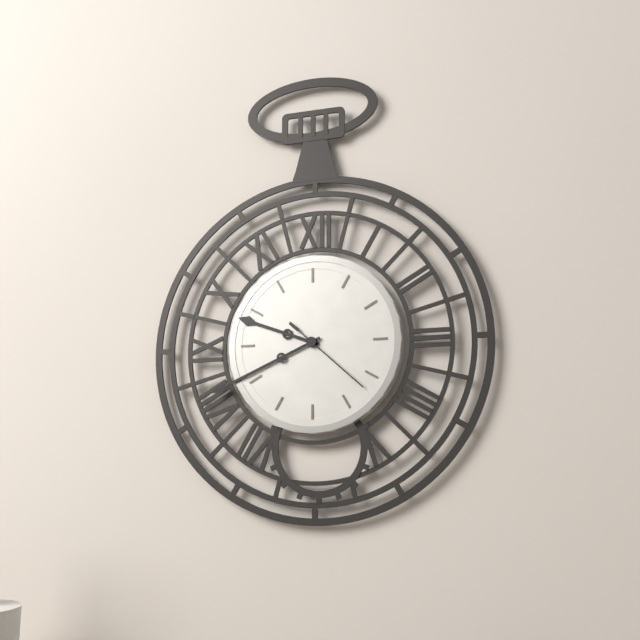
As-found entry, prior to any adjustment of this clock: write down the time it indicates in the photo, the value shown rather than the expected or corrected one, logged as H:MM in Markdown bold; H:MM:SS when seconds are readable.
**9:41:22**
